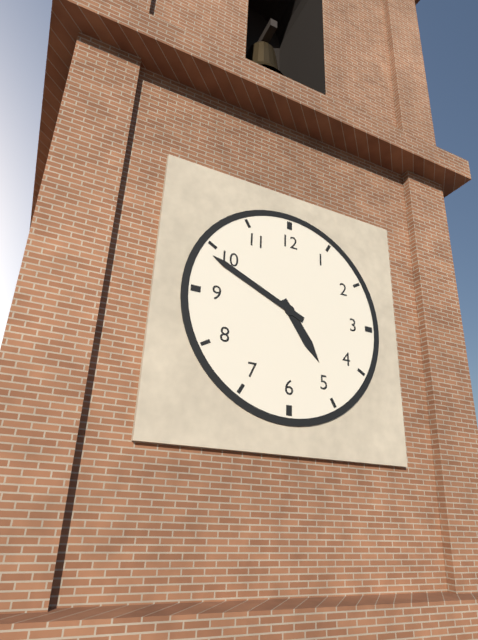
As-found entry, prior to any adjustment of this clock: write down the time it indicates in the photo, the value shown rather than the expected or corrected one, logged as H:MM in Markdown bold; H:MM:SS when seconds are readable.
**4:49**
